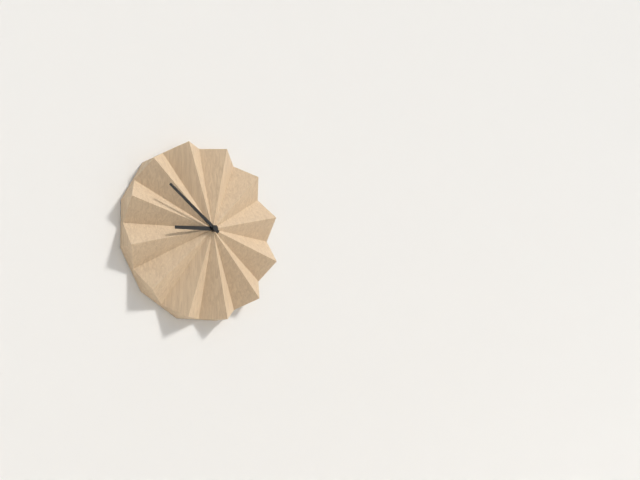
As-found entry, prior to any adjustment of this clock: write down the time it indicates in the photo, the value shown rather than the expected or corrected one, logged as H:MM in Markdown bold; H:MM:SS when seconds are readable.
**8:51**
